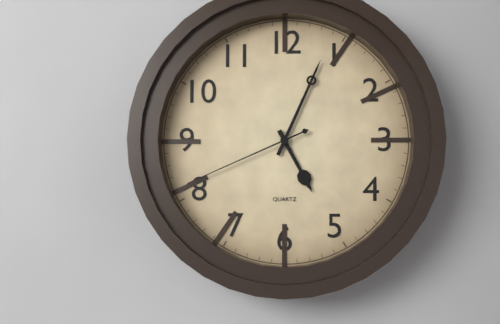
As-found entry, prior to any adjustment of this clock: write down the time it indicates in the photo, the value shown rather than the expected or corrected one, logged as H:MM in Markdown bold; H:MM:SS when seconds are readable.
**5:04:41**
